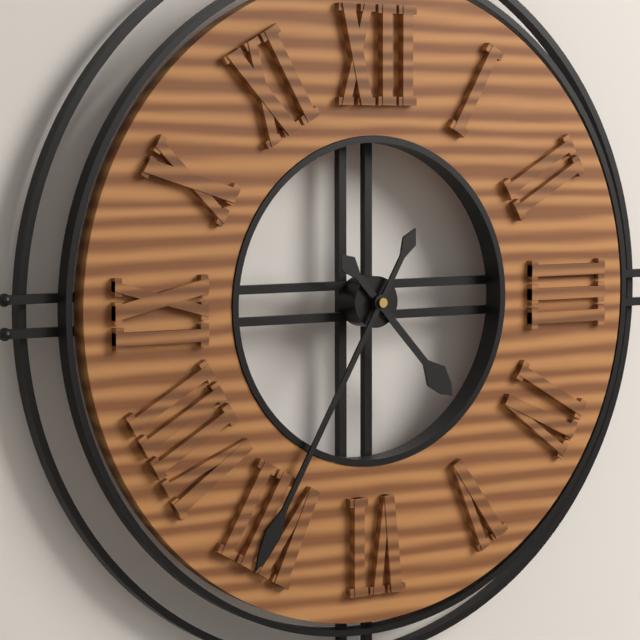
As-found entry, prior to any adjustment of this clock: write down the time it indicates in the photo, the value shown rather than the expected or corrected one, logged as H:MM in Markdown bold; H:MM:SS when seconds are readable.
**4:35**
